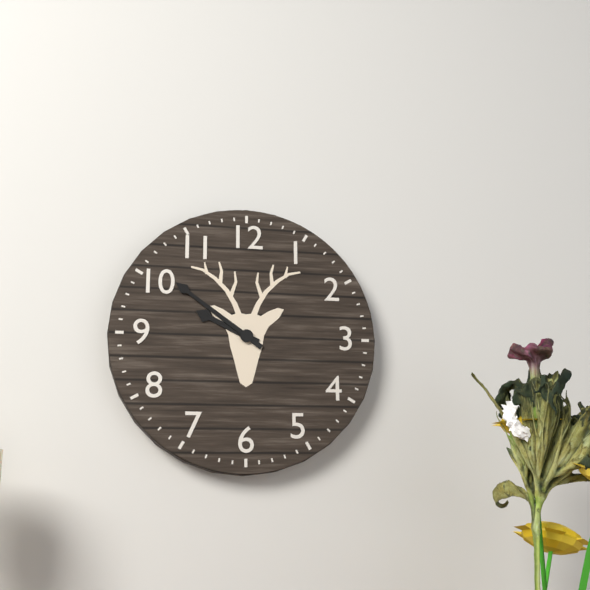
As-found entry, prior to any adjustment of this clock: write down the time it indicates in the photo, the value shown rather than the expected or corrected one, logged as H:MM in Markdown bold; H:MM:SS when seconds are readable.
**9:51**
